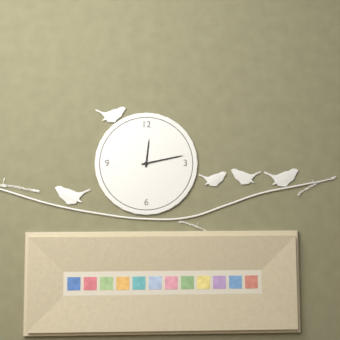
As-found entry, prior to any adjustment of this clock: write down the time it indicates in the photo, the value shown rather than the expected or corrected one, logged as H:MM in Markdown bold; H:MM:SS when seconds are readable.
**12:13**
